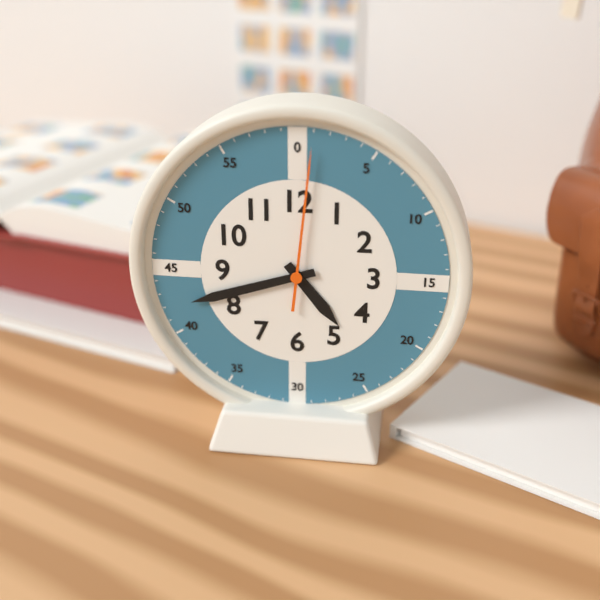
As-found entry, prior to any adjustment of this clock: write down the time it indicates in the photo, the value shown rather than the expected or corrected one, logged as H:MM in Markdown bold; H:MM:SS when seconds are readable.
**4:42:01**
